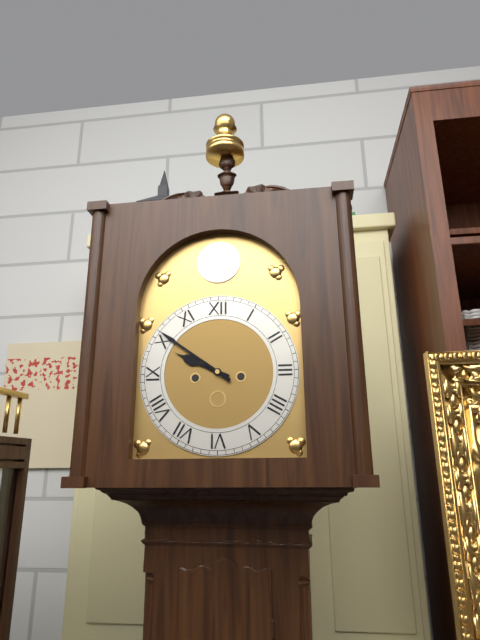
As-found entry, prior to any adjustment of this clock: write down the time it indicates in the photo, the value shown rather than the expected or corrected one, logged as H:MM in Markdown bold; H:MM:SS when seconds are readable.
**9:51**
